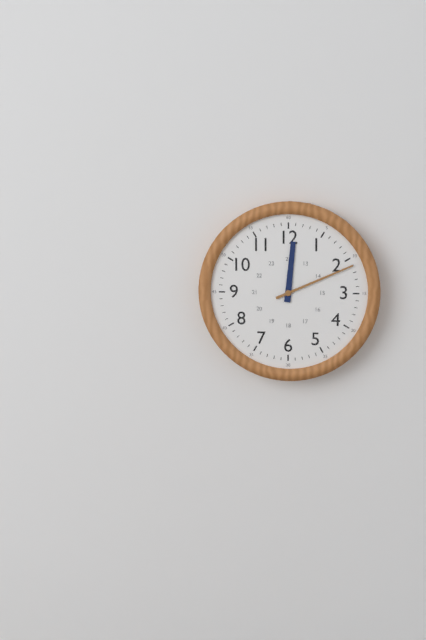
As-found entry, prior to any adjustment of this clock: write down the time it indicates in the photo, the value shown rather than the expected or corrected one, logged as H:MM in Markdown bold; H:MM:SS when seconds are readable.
**12:11**
